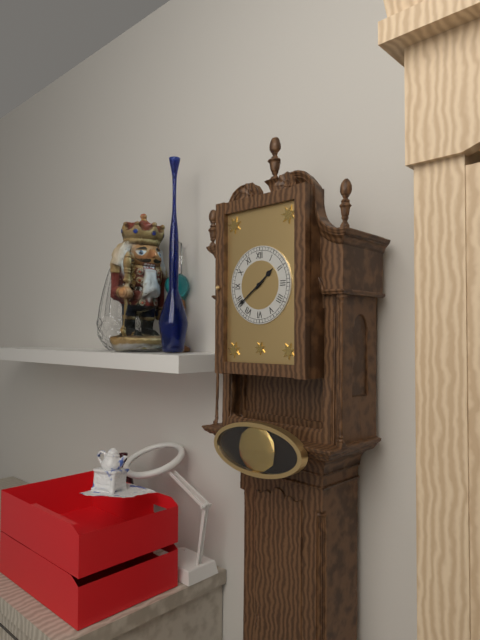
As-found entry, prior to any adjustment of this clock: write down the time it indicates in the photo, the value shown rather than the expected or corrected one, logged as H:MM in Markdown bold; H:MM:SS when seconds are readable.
**1:39**
